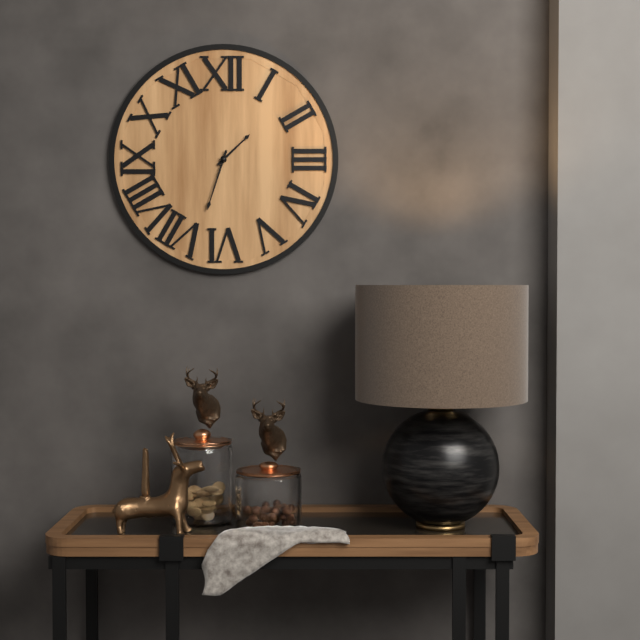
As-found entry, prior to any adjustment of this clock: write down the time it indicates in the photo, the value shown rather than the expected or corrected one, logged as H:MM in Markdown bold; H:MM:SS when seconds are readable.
**1:33**
